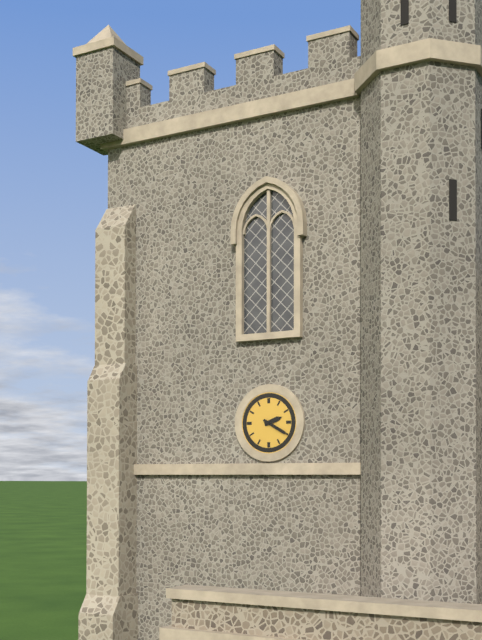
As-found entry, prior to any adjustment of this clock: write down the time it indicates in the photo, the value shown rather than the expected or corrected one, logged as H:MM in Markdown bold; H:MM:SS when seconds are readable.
**2:20**
